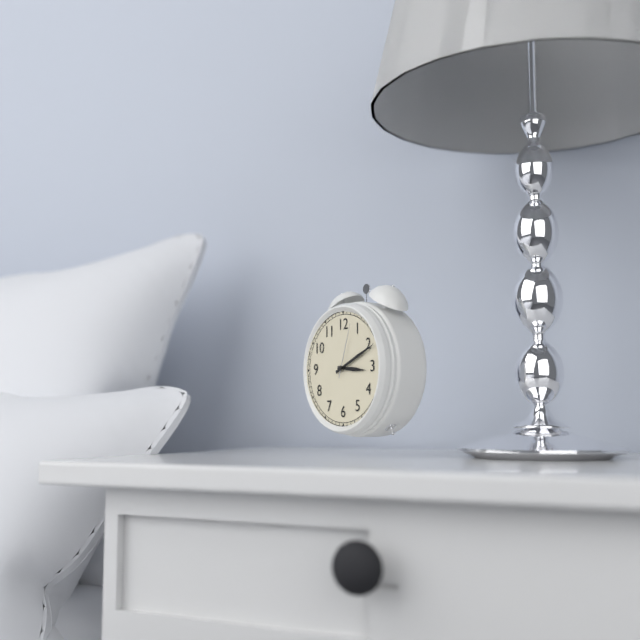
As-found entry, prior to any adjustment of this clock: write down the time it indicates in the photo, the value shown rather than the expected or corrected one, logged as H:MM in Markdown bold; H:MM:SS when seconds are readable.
**3:11:03**
